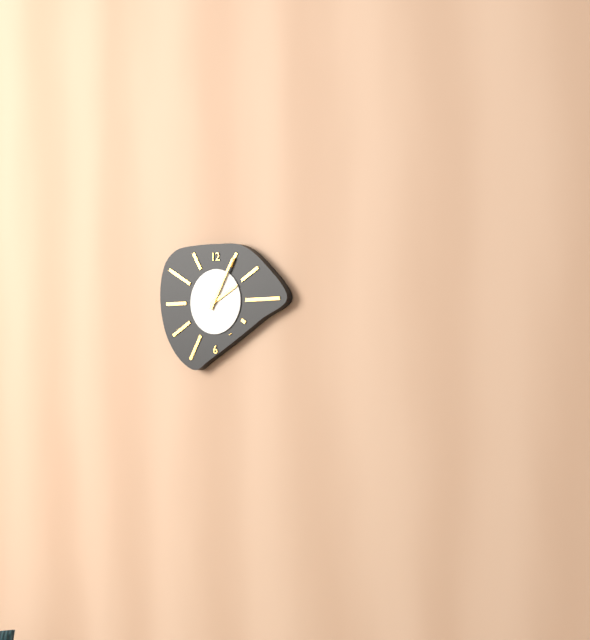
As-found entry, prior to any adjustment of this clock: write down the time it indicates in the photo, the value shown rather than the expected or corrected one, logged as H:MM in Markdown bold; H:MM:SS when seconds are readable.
**2:05**
